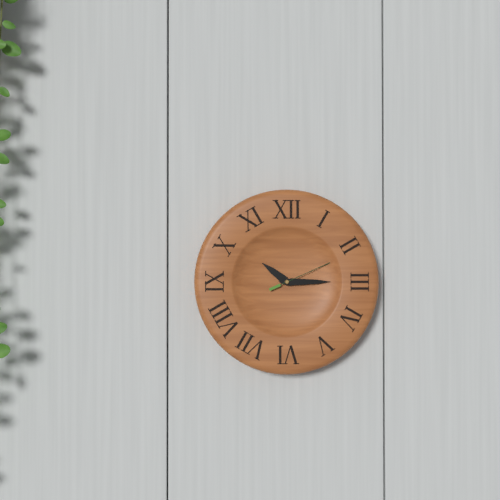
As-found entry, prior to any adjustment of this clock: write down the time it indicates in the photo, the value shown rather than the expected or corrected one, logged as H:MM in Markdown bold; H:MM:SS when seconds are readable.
**10:15:11**
